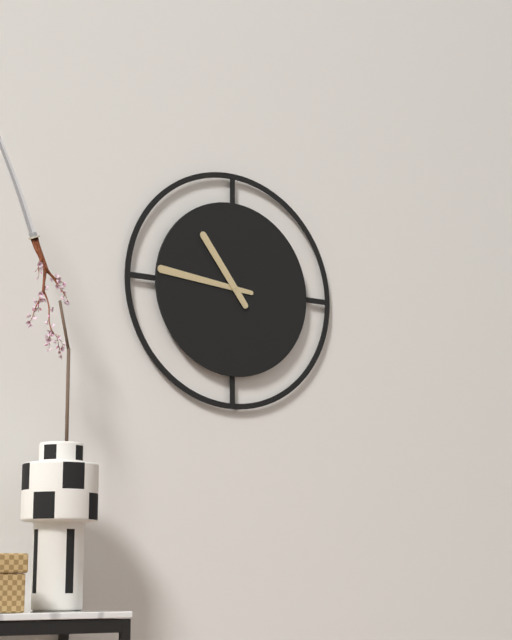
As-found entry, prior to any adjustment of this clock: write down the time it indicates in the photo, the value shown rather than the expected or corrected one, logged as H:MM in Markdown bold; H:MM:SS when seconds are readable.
**10:46**
